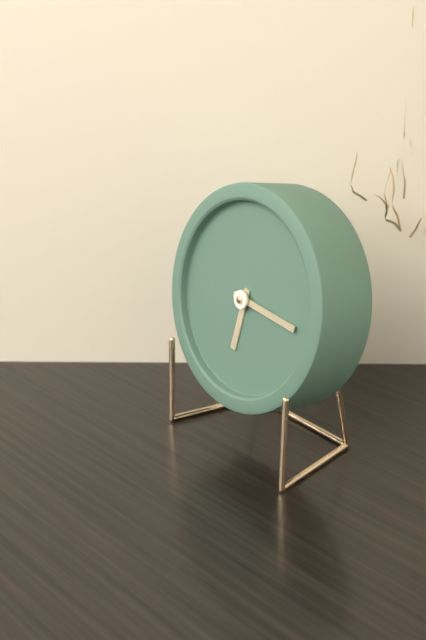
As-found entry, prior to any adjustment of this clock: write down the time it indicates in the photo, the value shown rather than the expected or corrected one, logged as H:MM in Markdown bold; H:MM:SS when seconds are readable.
**6:16**
